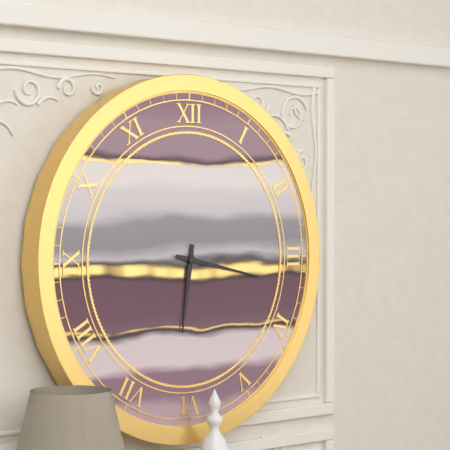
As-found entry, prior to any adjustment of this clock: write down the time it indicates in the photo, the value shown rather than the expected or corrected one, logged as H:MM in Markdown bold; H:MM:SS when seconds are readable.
**6:17**
